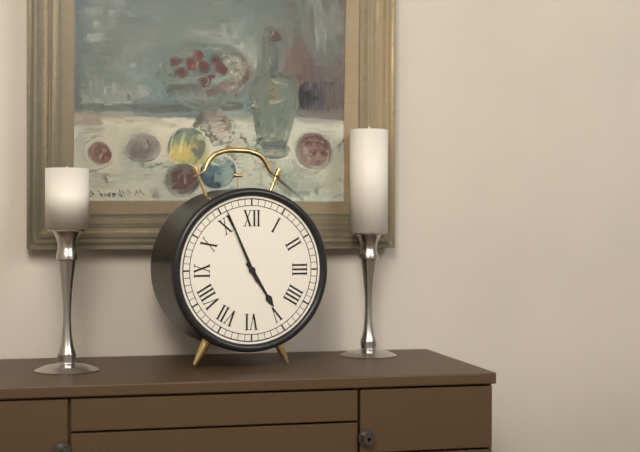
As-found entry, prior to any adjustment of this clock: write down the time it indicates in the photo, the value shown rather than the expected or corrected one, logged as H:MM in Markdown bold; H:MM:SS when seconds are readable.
**4:56**
